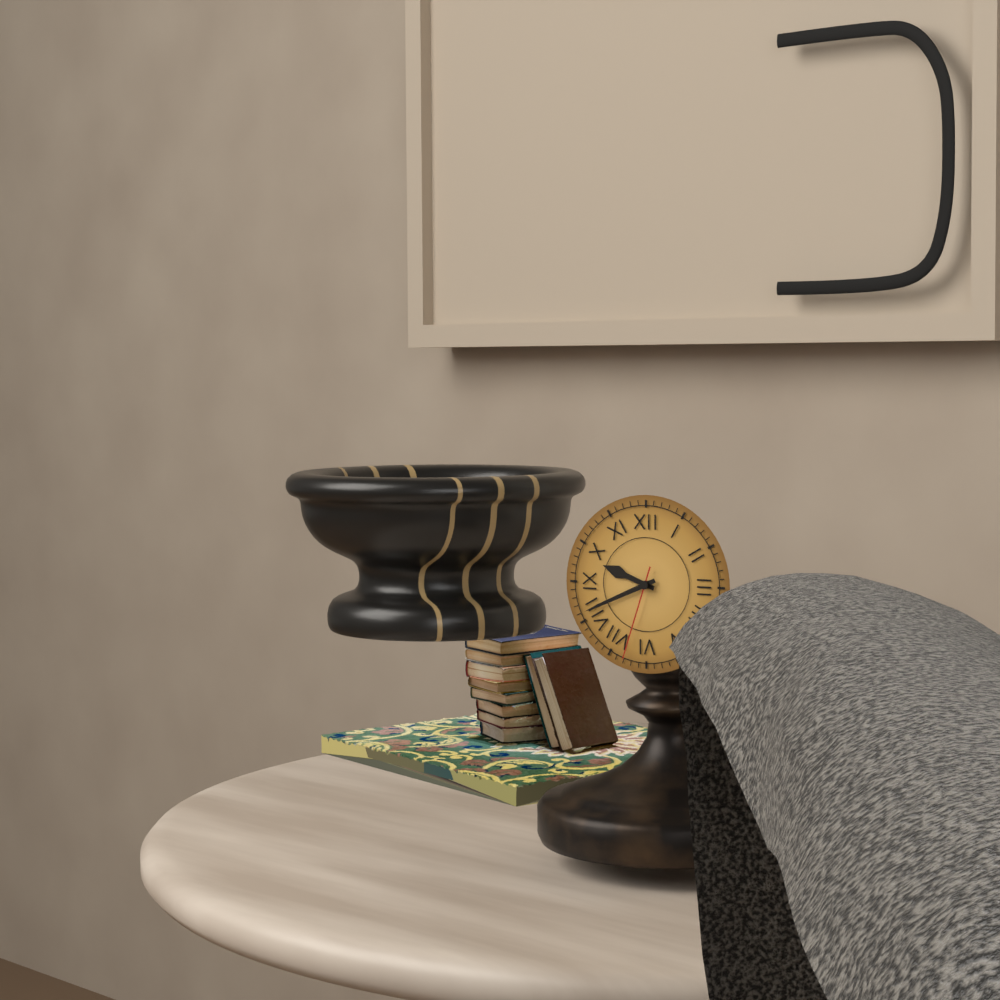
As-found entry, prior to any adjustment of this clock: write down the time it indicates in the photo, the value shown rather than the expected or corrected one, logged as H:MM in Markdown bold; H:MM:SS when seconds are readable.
**9:41:33**
